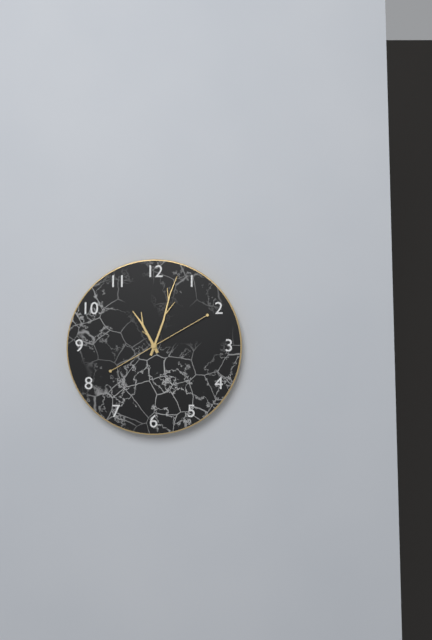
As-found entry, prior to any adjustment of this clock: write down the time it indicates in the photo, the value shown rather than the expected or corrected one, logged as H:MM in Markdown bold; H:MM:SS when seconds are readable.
**11:03:10**
